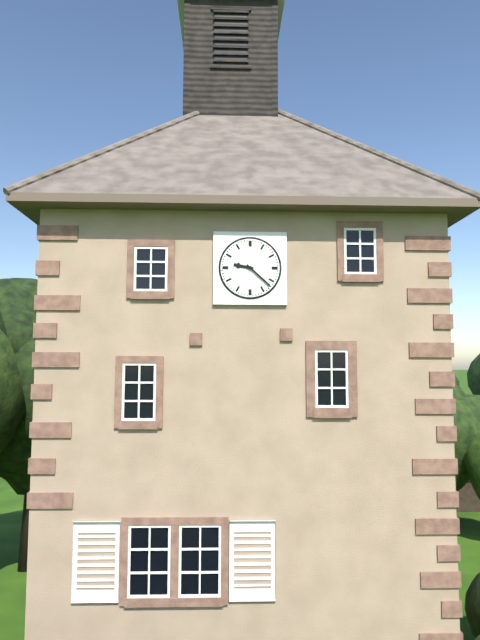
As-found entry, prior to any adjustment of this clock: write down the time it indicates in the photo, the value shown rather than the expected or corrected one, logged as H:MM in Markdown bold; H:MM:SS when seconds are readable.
**9:22**
